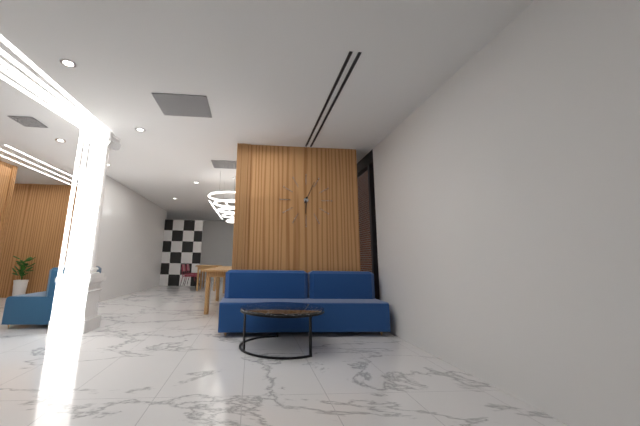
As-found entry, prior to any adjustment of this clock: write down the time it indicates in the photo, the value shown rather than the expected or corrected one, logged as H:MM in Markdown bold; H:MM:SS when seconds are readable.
**6:04**
